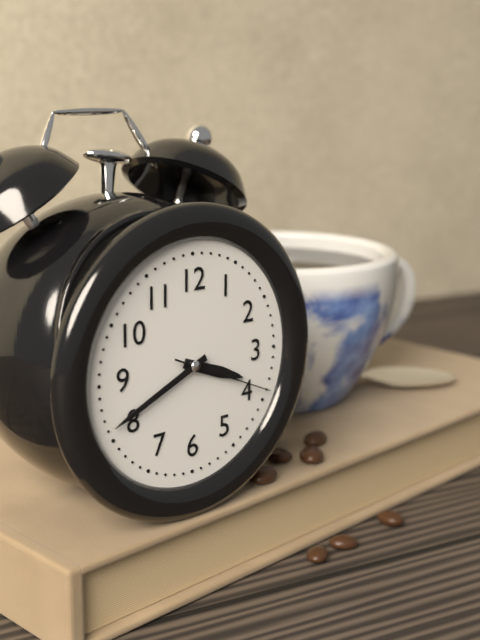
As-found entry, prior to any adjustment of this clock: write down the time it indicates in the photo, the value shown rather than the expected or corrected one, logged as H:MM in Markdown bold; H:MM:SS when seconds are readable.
**3:41:19**
